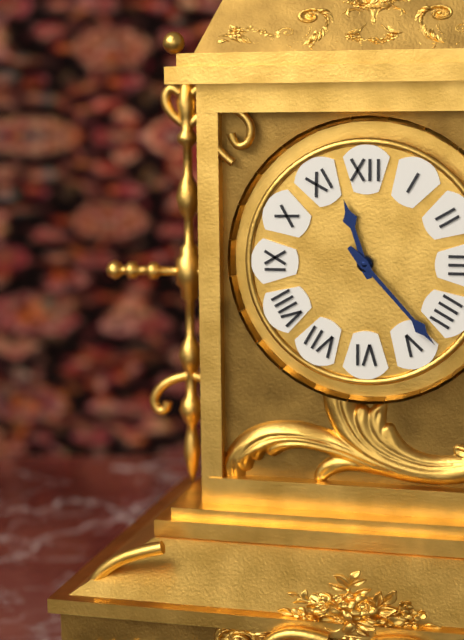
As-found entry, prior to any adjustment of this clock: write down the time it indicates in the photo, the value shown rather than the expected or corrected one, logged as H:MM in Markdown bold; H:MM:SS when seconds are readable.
**11:23**
